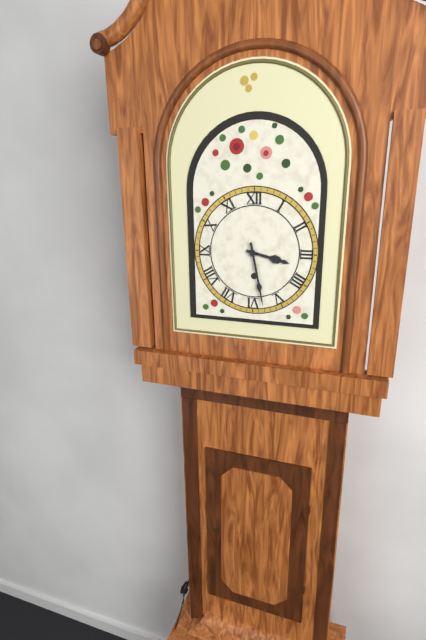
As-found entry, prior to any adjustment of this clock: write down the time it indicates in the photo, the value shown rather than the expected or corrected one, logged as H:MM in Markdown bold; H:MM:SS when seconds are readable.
**3:28**
